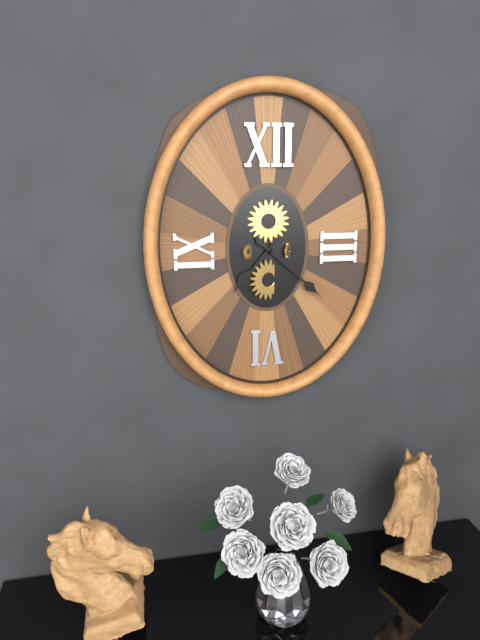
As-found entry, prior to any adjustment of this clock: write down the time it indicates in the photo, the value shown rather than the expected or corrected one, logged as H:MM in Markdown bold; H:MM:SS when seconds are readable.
**7:22**
